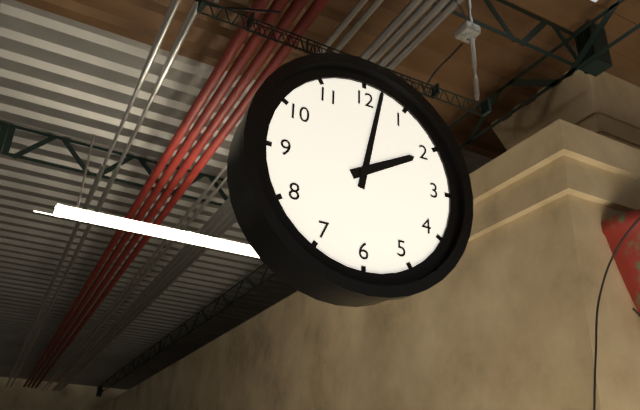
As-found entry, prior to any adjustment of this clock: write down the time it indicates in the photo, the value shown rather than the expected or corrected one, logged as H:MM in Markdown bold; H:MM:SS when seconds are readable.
**2:02**
